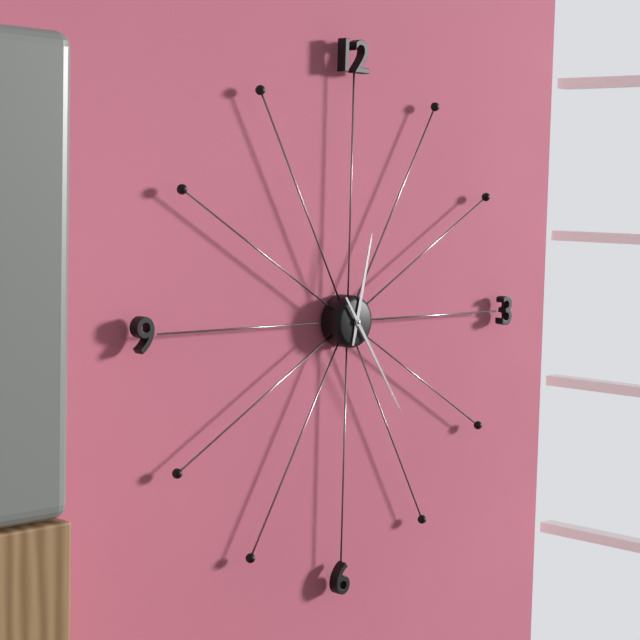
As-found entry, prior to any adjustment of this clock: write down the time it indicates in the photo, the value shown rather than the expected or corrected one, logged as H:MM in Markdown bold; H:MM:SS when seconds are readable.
**12:24**
